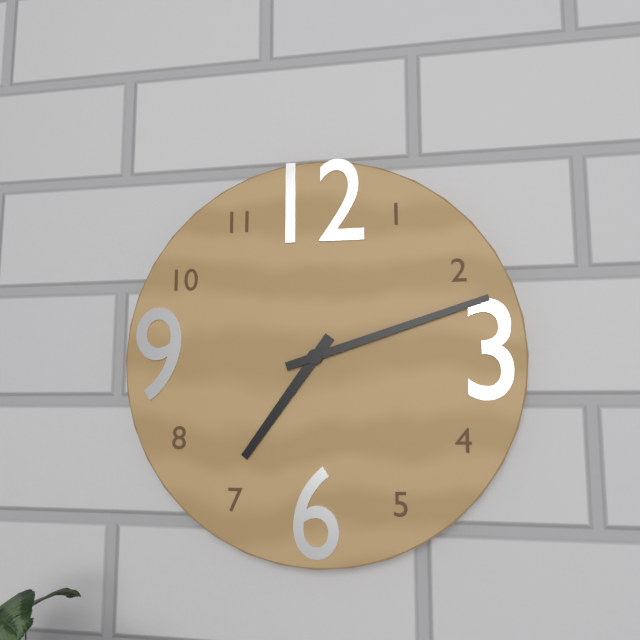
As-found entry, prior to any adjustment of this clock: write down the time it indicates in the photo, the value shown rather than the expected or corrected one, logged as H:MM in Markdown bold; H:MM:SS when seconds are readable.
**7:12**
